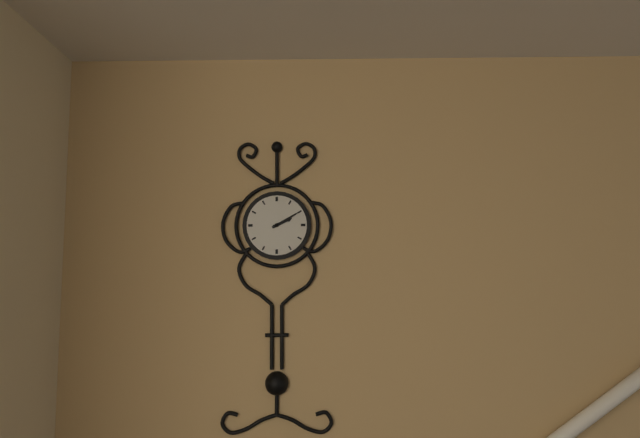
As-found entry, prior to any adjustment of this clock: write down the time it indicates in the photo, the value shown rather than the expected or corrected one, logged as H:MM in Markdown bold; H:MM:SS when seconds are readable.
**2:10**
